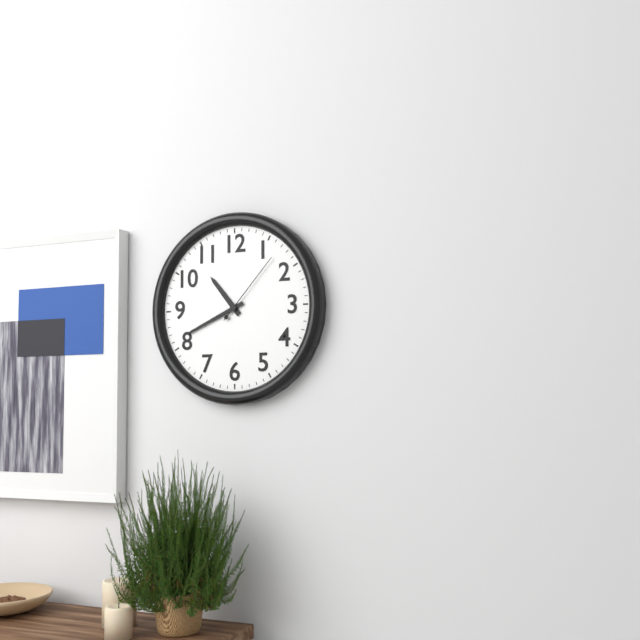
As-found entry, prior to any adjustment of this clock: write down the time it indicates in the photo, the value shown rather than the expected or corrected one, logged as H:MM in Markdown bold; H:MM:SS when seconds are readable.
**10:41:07**
